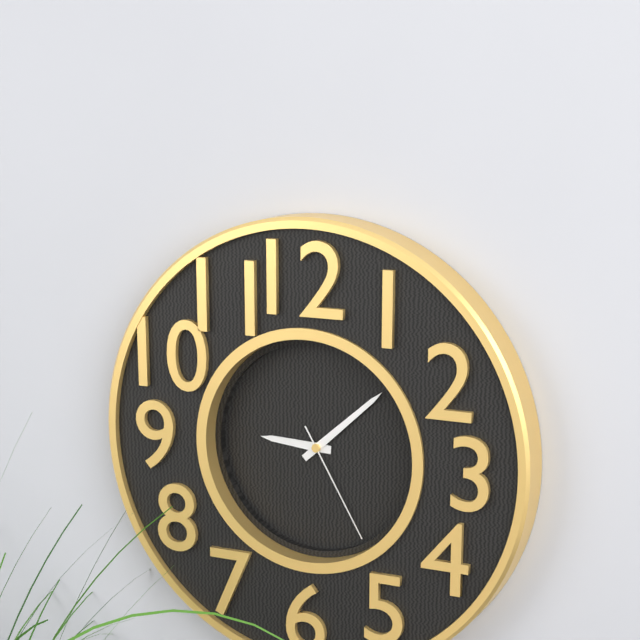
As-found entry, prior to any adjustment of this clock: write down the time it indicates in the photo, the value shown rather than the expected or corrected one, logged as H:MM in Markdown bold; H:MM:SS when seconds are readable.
**9:08:25**
